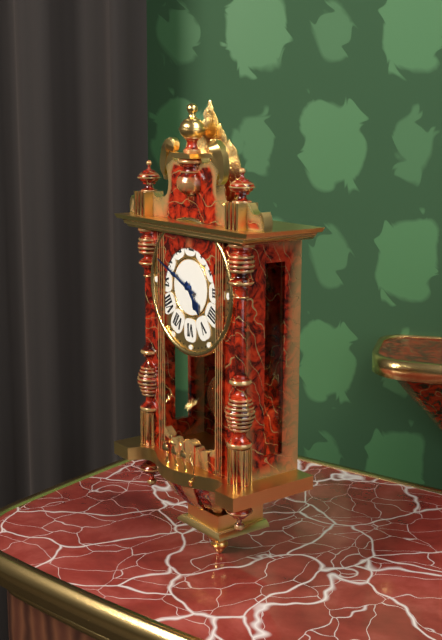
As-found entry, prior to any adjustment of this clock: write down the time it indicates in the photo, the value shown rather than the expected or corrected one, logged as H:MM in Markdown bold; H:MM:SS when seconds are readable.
**4:49**
